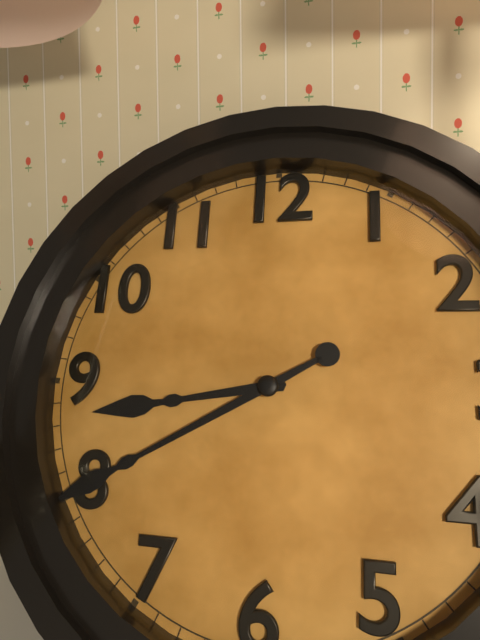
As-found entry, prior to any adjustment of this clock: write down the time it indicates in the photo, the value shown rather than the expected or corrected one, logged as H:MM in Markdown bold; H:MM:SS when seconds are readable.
**8:40**
